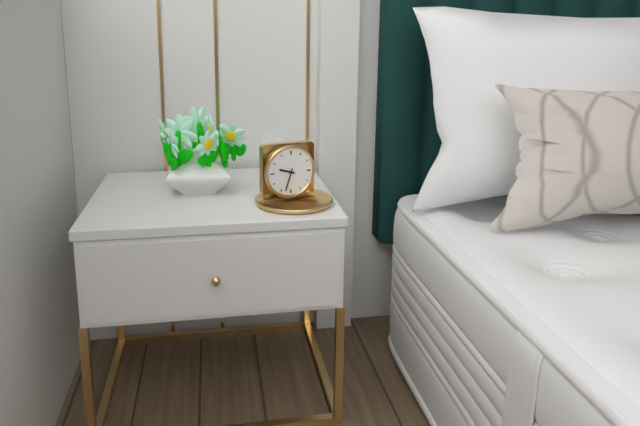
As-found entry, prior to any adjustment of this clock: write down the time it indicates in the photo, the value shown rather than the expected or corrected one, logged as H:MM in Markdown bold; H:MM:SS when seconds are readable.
**9:33**
